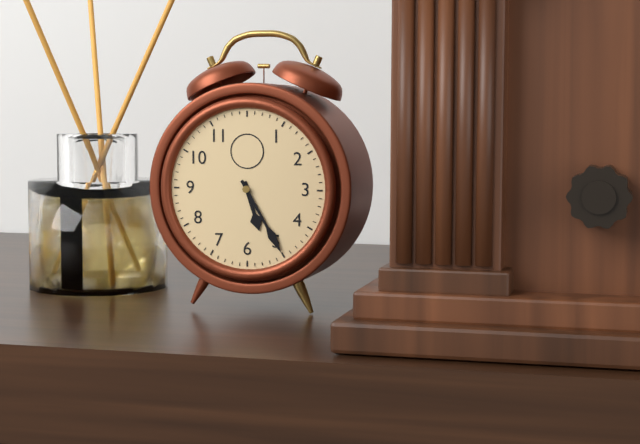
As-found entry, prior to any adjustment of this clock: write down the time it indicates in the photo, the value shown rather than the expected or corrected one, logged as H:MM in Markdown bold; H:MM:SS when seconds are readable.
**5:25**
